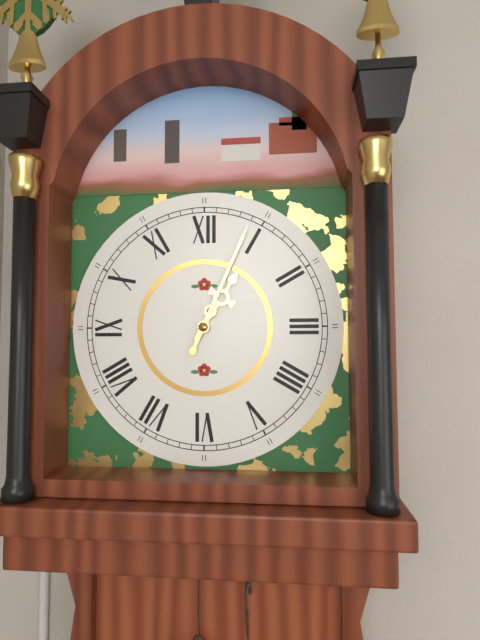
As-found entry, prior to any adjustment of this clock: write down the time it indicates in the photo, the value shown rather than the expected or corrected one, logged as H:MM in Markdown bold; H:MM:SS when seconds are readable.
**1:04**
